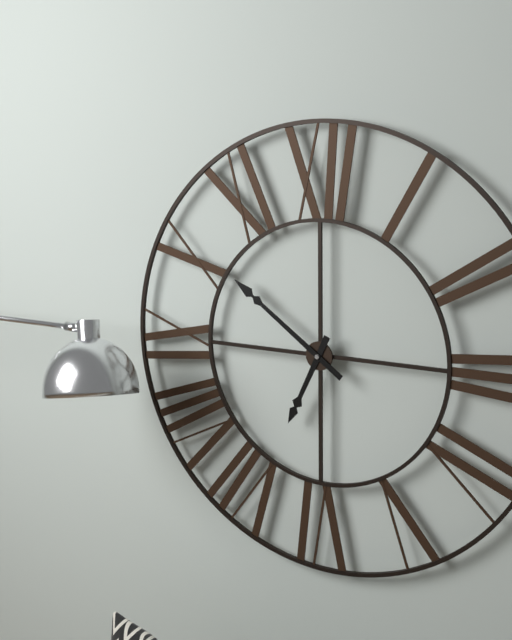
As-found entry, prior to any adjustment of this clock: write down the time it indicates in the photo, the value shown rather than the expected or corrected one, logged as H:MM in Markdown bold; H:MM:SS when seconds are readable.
**6:51**
